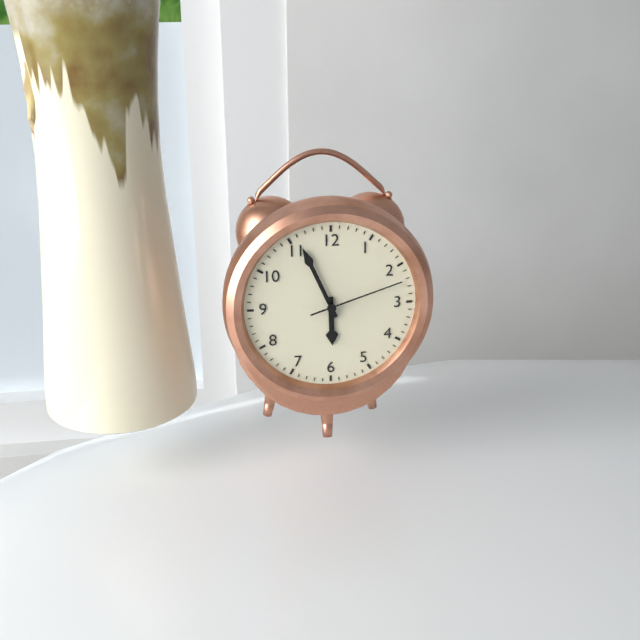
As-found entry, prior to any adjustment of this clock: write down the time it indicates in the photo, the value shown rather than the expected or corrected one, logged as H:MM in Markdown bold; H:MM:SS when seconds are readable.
**5:56:12**
